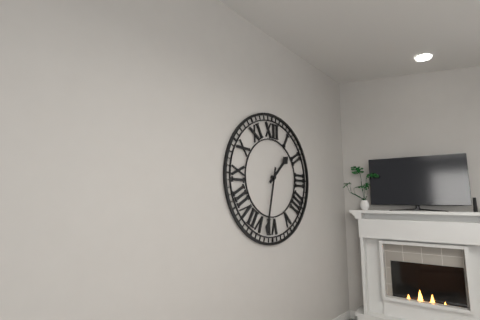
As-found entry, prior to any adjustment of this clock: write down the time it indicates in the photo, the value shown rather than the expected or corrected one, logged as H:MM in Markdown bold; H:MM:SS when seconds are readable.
**1:32**
